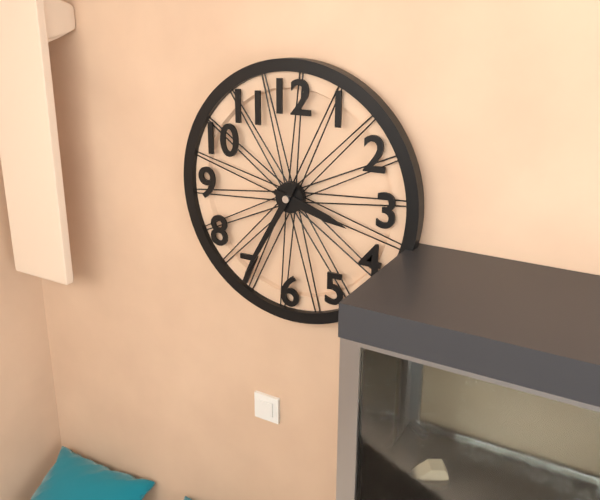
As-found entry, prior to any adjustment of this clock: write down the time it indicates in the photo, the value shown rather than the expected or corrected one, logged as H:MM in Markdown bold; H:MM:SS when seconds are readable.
**3:35**
